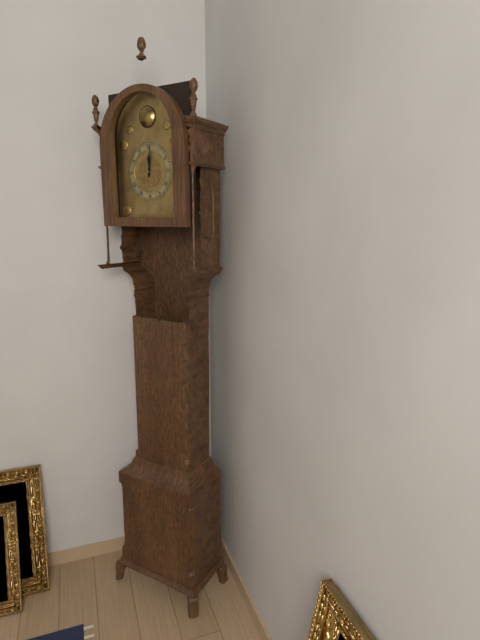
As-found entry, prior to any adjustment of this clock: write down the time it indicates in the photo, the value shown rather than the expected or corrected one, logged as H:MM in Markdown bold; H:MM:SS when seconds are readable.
**12:01**
